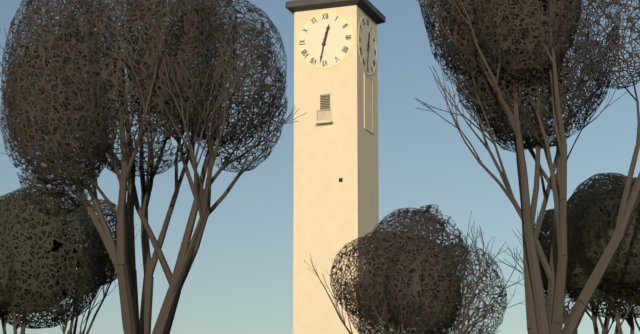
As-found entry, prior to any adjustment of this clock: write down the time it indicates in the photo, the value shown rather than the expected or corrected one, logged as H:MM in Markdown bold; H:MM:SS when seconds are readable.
**12:32**
